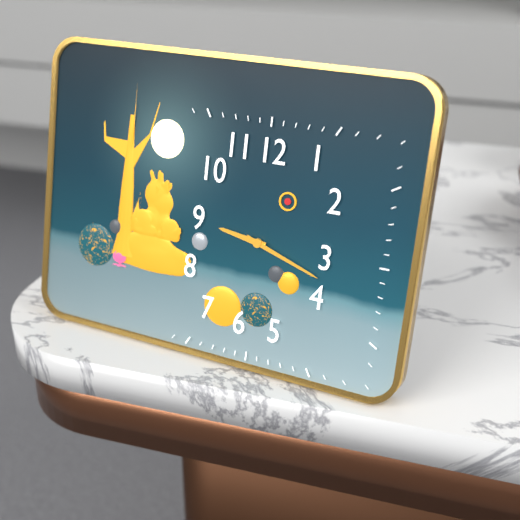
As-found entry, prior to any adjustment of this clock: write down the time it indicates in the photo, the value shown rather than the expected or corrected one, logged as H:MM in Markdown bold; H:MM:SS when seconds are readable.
**9:18**
